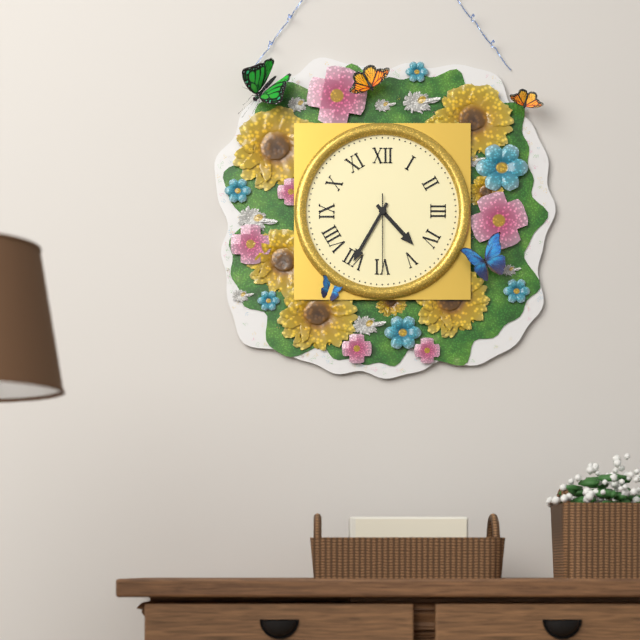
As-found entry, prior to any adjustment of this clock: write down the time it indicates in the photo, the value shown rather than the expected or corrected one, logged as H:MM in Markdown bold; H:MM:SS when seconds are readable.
**4:35:30**
